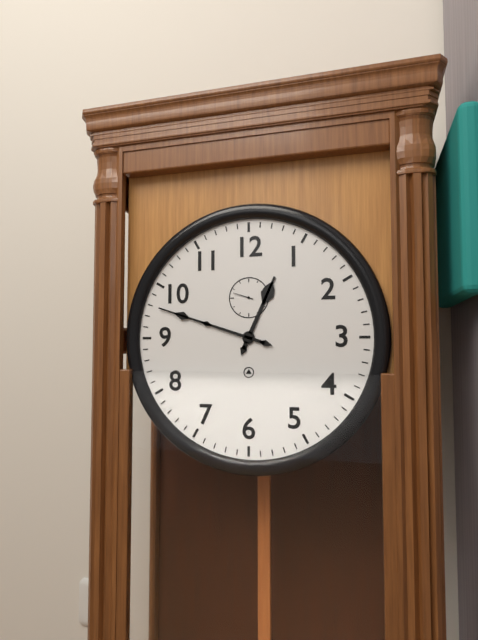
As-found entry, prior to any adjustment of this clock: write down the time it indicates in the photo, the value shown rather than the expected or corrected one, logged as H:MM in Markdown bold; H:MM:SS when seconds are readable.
**12:48**
